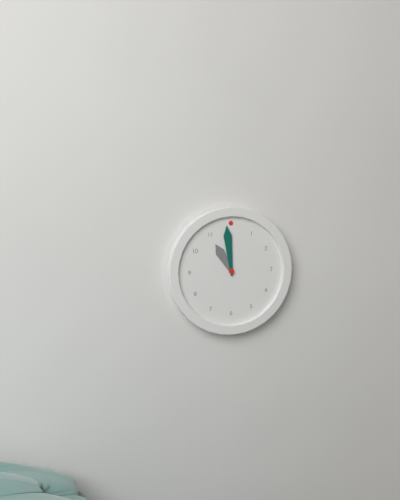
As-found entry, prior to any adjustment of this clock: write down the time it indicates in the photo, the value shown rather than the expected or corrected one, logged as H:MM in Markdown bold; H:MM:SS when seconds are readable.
**10:59**
